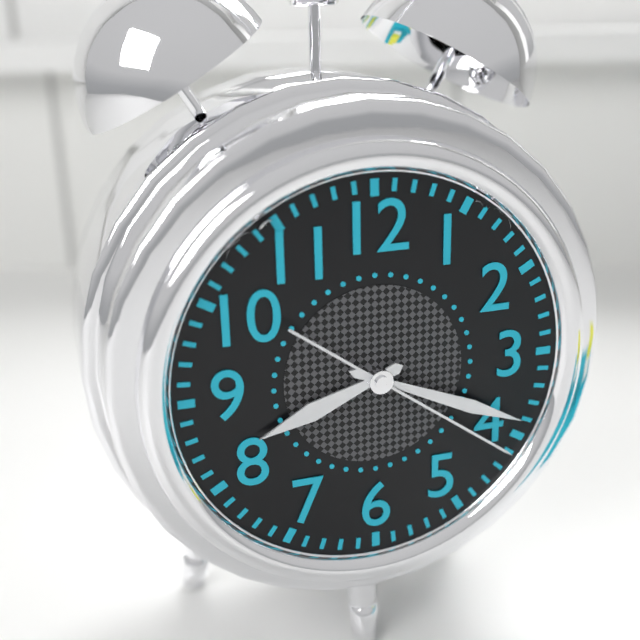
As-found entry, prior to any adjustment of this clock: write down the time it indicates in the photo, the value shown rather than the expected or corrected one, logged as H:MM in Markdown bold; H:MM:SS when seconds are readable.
**8:19:21**
